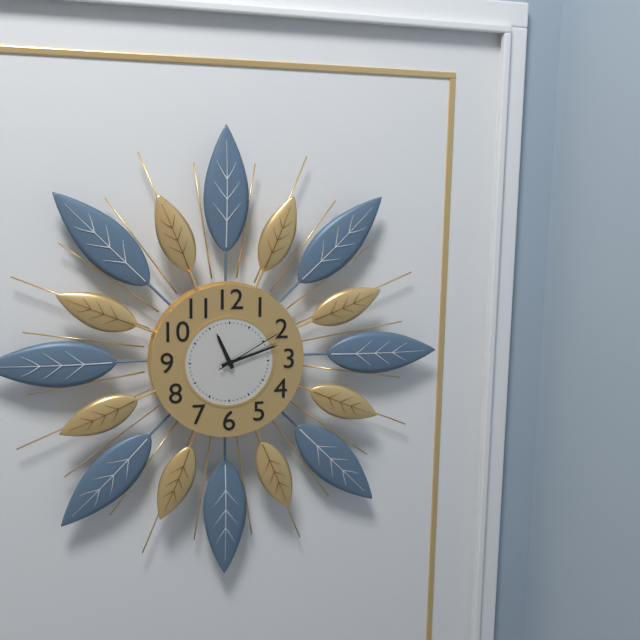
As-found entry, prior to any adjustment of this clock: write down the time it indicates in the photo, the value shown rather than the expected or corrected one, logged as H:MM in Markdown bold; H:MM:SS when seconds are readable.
**11:12:10**
